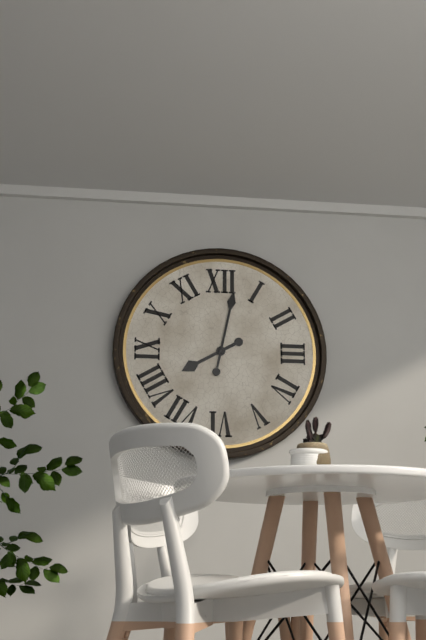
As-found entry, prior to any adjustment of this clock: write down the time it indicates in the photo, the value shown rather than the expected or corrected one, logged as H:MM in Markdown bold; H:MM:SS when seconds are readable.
**8:02**
